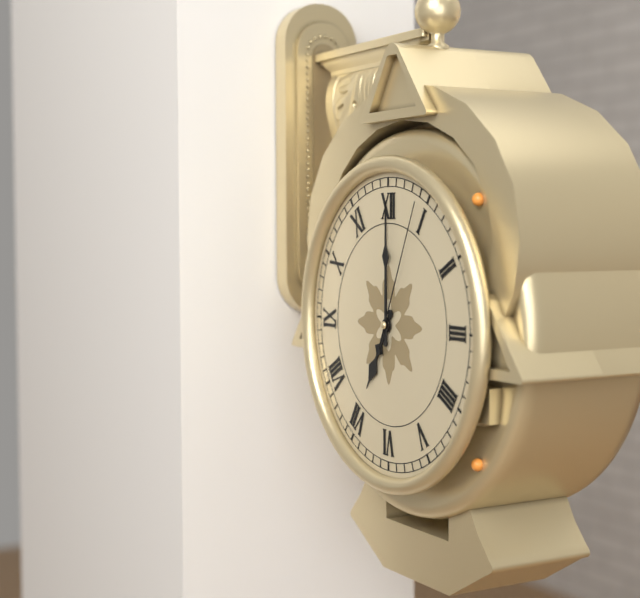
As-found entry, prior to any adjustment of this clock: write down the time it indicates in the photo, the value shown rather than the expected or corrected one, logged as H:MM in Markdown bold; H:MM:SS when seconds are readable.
**7:00:04**
